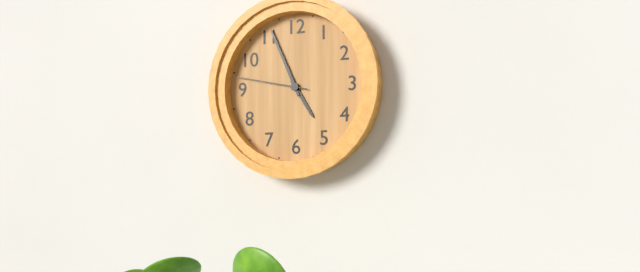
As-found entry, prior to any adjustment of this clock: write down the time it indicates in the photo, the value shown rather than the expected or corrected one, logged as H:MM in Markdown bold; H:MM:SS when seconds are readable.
**4:56:47**
